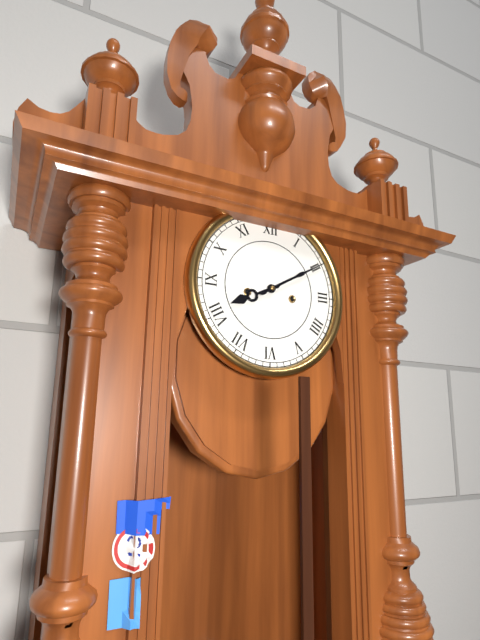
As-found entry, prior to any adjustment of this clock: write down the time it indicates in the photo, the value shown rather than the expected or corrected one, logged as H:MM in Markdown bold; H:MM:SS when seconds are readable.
**8:10**
